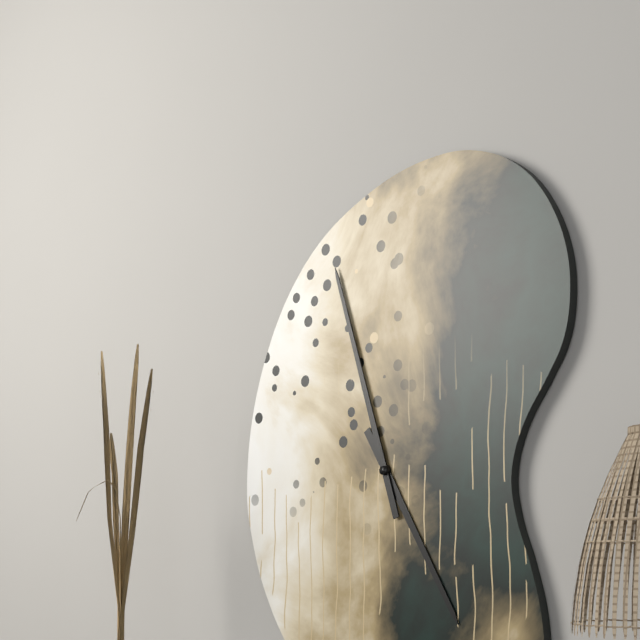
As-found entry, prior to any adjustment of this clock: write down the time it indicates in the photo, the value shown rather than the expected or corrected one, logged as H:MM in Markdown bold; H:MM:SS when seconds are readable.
**4:57**
